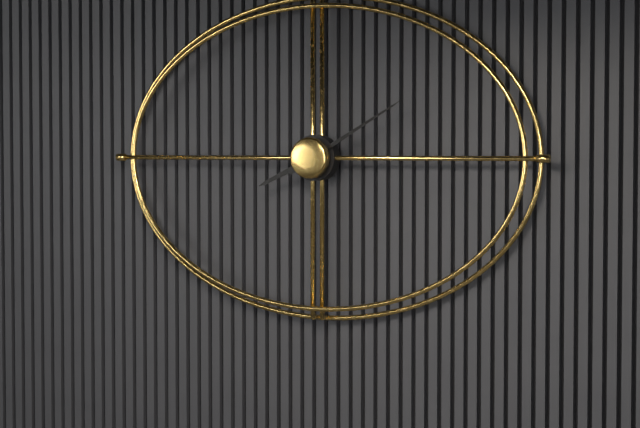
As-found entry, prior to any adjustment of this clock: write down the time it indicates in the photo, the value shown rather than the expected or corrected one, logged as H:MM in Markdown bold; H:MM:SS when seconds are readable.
**8:10**
